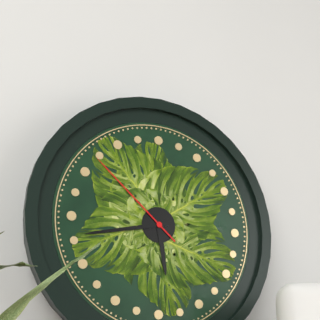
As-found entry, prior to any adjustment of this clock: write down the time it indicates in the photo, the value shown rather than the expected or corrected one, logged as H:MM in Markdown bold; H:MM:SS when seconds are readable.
**5:43:52**
